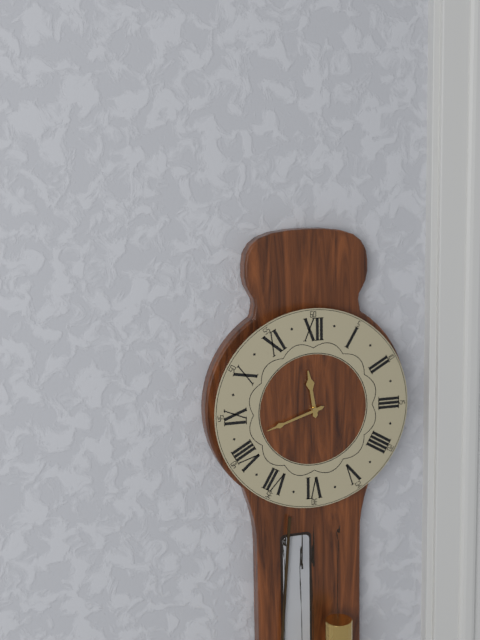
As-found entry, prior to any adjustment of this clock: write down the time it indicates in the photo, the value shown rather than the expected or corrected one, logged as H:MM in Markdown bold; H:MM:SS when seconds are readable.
**11:42**
